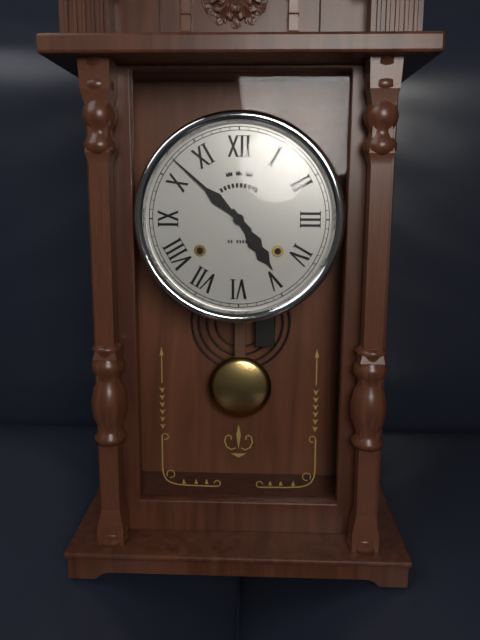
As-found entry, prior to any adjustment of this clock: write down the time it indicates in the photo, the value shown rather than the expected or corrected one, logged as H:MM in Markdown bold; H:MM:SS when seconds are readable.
**4:52**
